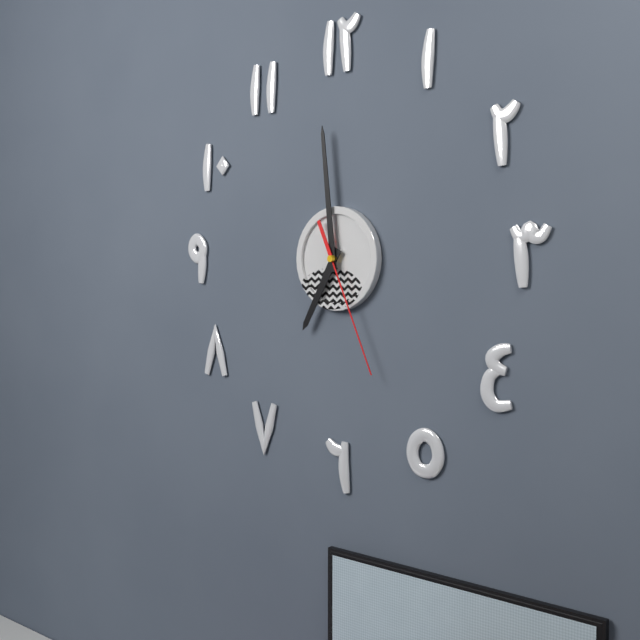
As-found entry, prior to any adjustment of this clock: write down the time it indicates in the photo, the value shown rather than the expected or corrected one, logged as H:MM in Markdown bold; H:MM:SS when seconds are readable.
**6:59:26**
